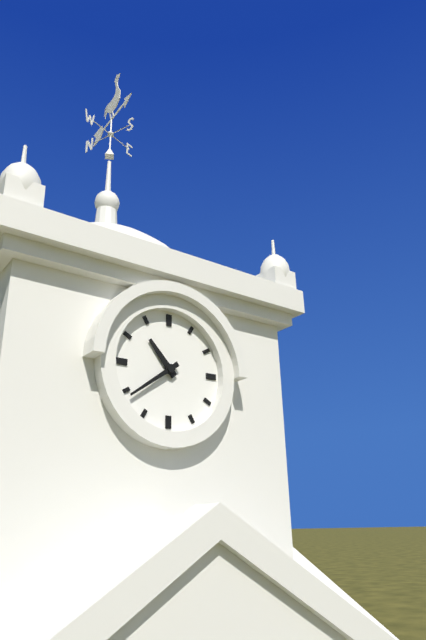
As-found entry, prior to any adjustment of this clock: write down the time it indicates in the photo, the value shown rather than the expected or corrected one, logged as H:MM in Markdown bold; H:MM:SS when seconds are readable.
**10:39**
